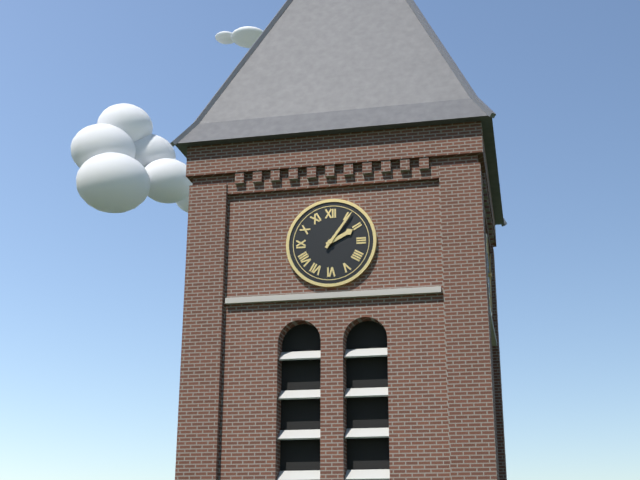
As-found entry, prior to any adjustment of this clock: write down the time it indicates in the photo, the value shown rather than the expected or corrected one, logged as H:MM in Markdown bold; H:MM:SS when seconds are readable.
**2:06**
